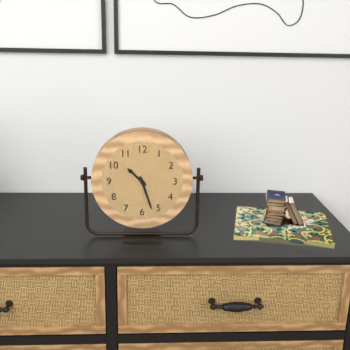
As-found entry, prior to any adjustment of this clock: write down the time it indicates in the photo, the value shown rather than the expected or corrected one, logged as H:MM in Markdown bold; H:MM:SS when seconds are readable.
**10:27**
